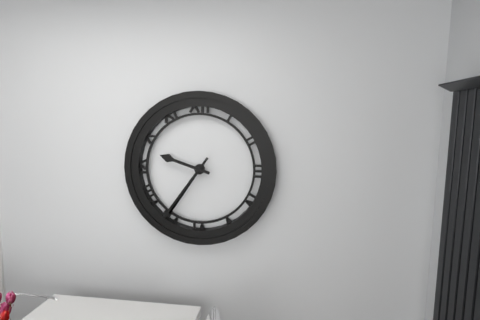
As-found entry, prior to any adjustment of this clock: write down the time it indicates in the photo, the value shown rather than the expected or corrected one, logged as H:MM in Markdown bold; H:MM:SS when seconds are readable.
**9:36**
